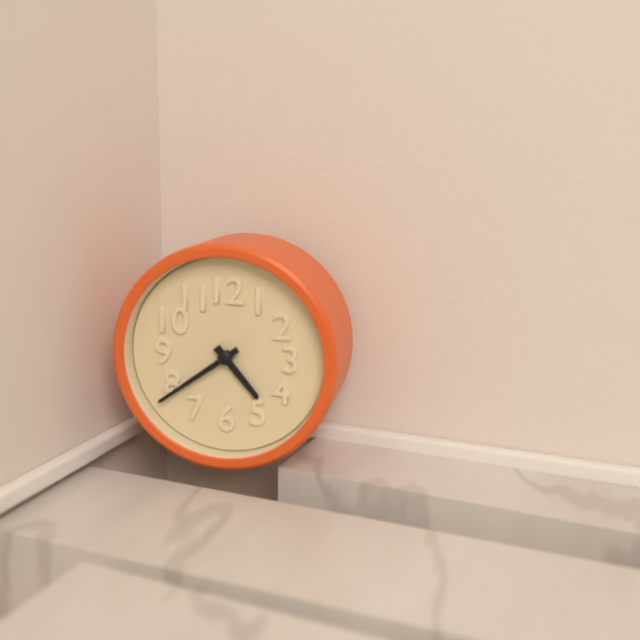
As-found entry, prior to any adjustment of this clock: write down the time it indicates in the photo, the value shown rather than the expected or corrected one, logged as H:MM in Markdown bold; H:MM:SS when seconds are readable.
**4:39**
